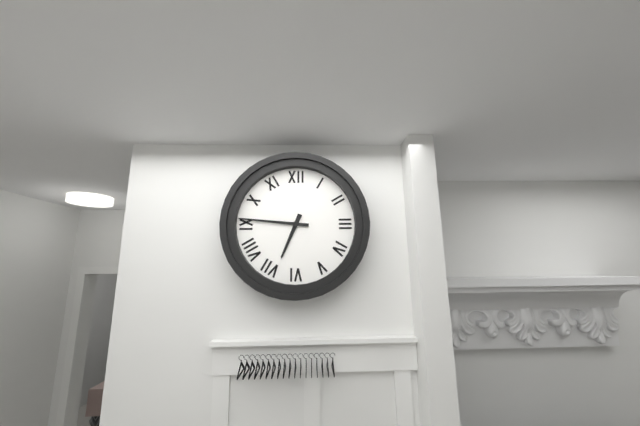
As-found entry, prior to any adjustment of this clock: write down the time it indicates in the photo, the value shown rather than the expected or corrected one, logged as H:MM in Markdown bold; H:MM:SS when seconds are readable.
**6:46**
